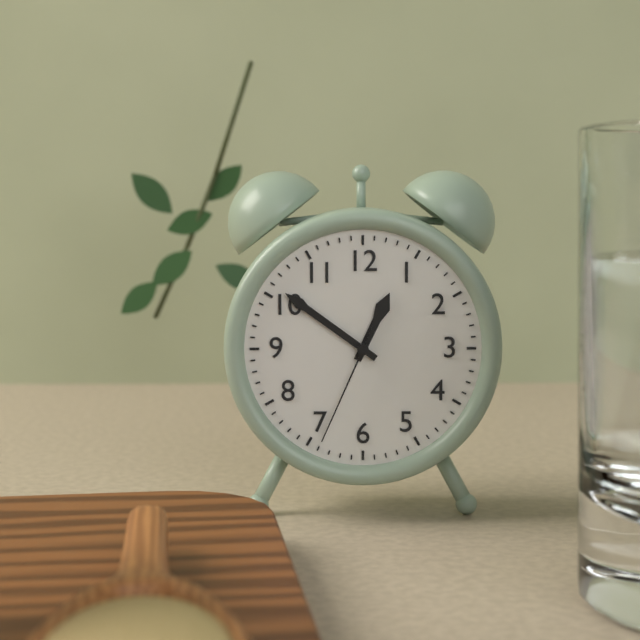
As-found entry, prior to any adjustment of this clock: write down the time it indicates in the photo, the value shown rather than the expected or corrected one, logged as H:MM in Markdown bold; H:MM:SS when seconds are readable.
**12:51:34**
